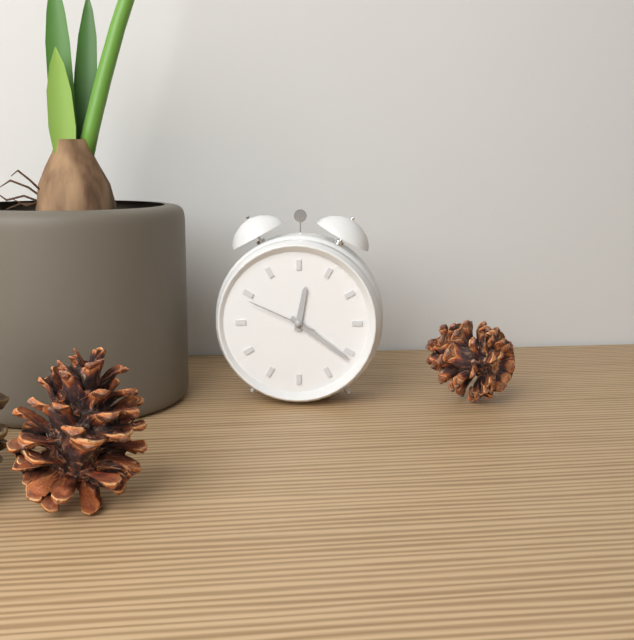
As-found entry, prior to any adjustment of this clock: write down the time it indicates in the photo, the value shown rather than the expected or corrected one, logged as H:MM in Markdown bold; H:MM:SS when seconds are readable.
**12:21:49**
